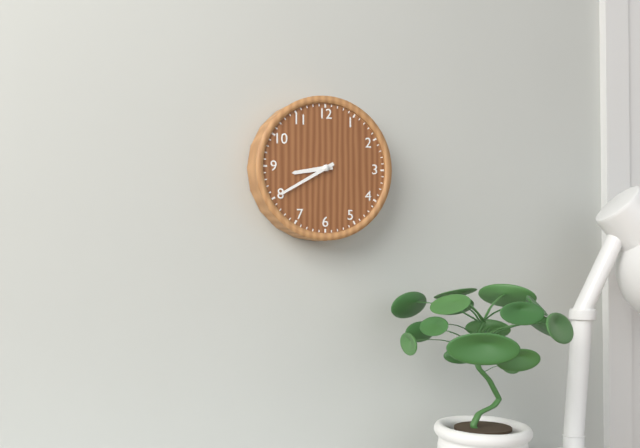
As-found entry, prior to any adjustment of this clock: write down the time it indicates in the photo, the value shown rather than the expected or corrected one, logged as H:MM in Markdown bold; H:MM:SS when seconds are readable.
**8:40**
